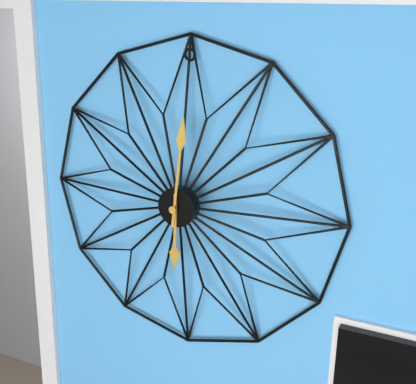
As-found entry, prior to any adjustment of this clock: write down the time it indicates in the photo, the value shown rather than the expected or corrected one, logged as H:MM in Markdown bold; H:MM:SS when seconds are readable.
**6:01**
